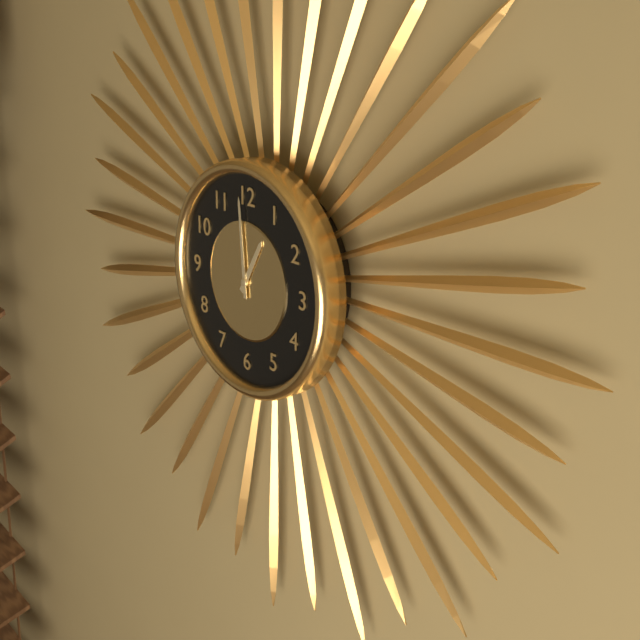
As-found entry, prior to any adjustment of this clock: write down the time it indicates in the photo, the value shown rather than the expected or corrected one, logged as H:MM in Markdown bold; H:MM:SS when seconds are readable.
**12:59**
